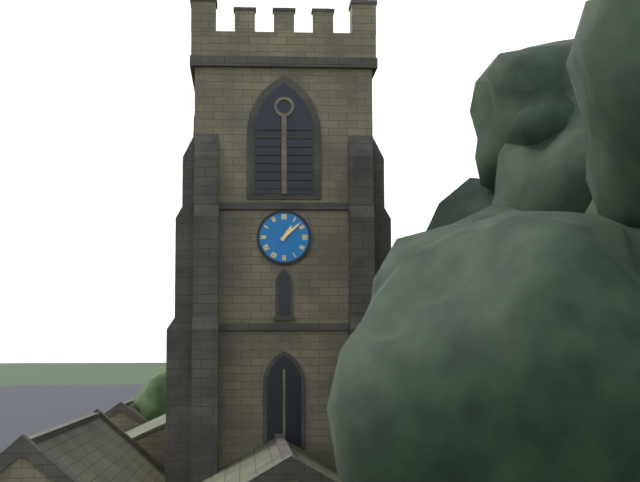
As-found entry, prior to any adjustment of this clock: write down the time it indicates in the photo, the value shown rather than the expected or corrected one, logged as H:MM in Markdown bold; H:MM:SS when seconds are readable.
**1:08**
